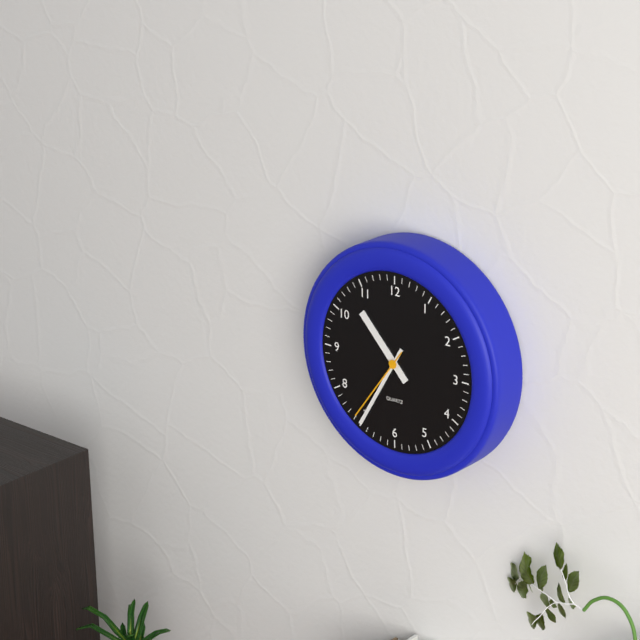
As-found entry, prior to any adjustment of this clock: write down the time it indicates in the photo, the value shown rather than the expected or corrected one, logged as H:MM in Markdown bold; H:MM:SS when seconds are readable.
**10:35:36**
